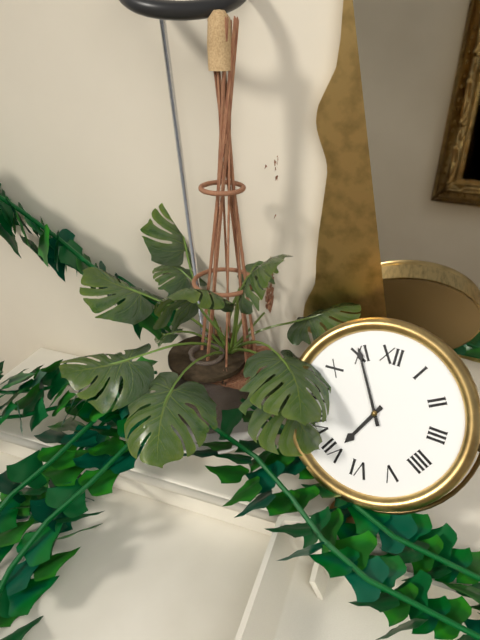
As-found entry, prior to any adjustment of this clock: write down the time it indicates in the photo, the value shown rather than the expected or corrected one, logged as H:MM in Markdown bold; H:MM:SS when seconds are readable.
**6:55**
